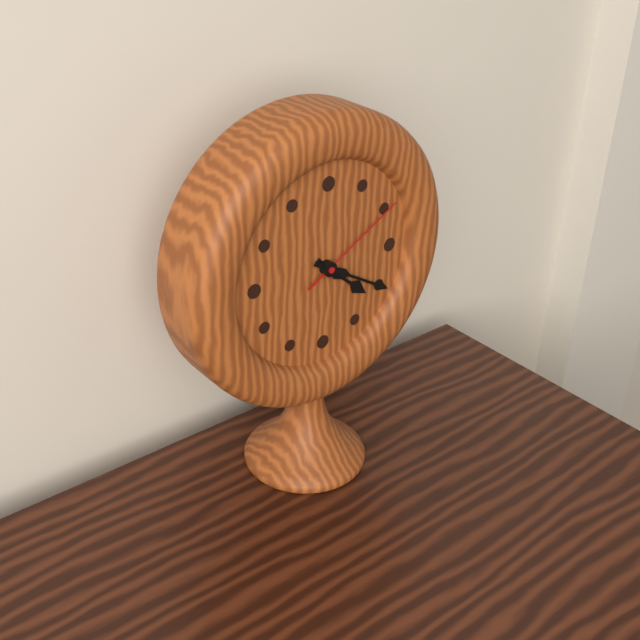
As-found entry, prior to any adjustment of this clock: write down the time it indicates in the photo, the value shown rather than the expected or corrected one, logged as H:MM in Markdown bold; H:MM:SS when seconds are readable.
**4:20:10**
